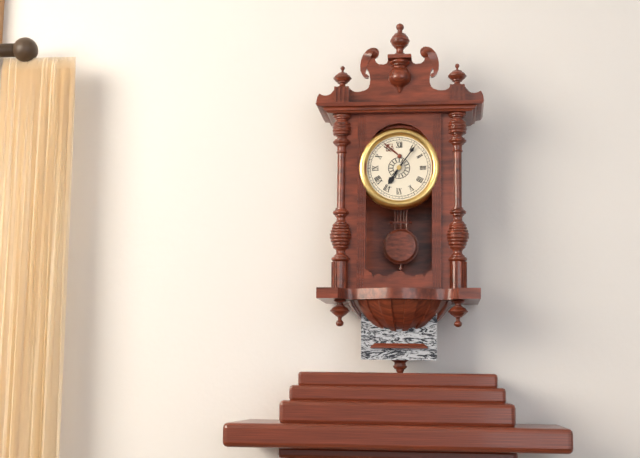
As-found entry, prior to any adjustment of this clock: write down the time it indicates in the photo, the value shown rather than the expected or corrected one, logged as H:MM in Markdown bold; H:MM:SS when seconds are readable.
**7:06**
